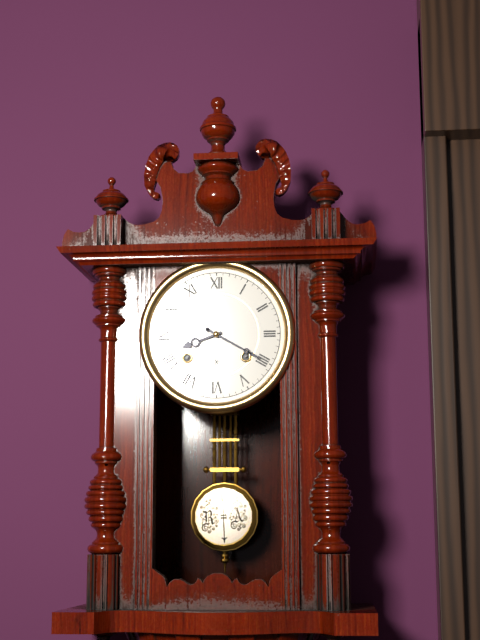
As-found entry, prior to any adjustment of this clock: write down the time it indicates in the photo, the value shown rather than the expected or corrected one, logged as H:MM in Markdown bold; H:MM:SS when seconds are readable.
**8:20**
